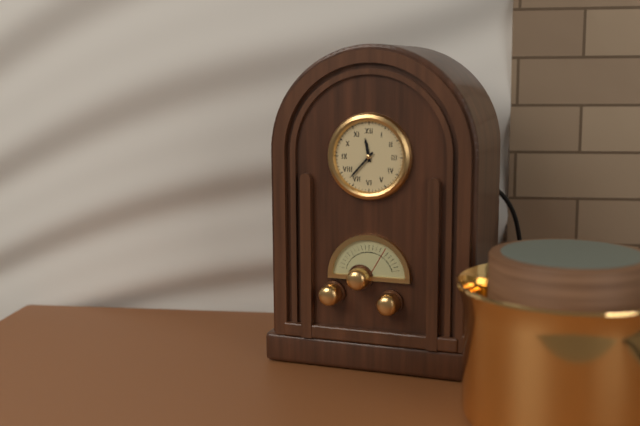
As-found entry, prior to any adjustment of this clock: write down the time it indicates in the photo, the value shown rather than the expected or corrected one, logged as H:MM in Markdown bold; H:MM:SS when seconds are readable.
**11:37**
